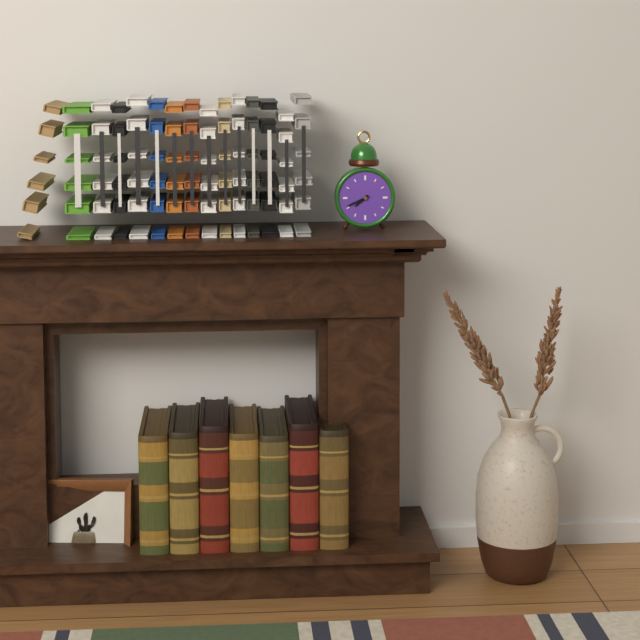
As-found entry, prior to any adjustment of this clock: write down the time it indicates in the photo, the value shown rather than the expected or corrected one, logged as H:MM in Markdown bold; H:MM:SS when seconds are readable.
**7:41**
